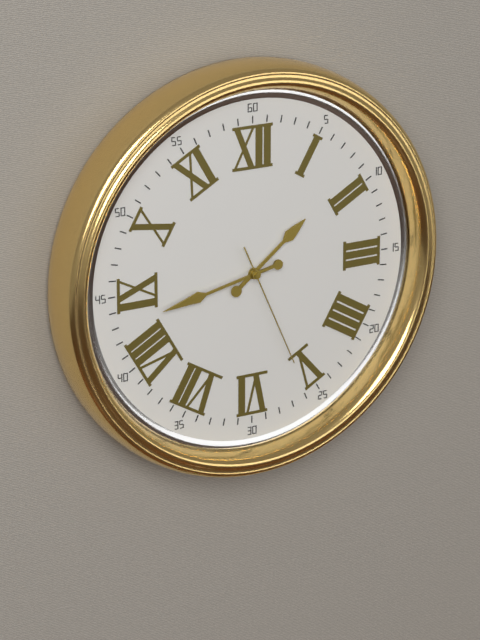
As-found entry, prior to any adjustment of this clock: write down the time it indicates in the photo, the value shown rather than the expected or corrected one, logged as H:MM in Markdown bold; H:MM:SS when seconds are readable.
**1:43:26**
